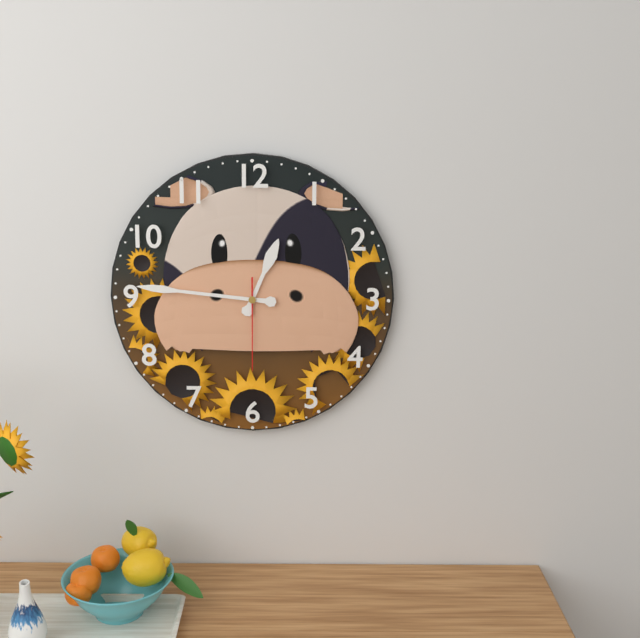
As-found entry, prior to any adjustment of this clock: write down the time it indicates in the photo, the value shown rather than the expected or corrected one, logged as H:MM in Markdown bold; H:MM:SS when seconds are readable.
**12:46:30**
